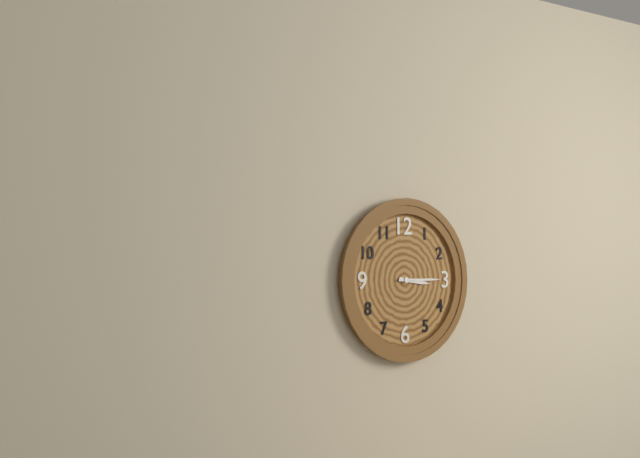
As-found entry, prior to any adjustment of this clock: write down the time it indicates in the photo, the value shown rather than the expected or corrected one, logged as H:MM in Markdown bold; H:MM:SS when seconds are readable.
**3:15**
